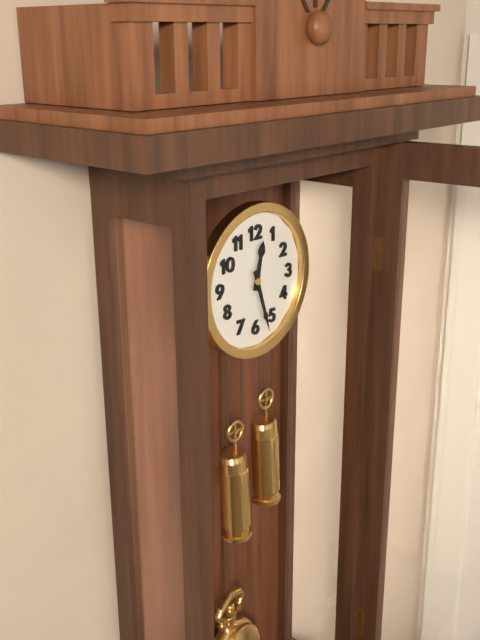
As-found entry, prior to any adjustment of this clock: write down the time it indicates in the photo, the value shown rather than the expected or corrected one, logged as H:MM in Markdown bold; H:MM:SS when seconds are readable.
**12:27**
